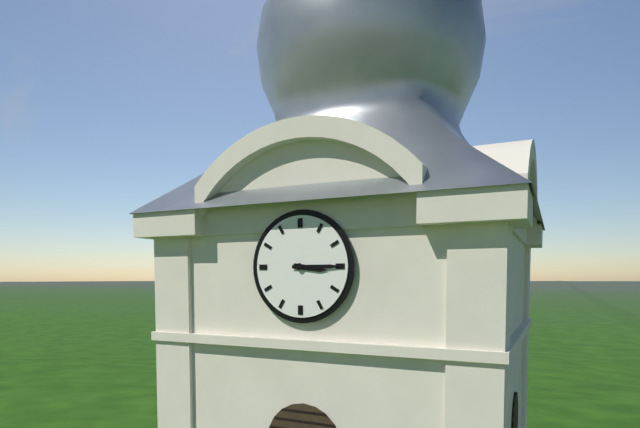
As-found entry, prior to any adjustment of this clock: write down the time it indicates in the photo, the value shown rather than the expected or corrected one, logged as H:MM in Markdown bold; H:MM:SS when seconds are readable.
**3:15**
